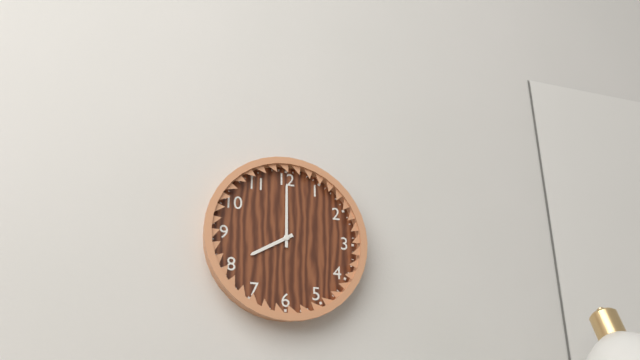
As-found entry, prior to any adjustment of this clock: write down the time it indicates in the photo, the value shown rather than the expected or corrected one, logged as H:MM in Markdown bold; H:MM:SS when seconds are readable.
**8:00**
